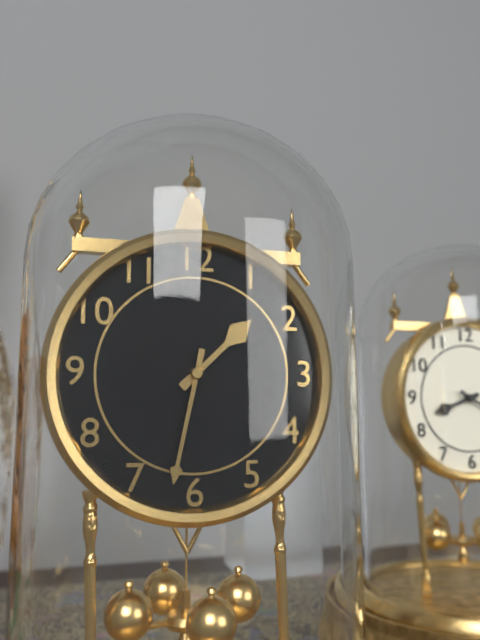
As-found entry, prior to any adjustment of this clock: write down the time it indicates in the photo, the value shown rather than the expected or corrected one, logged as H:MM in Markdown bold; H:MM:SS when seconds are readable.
**1:32**
